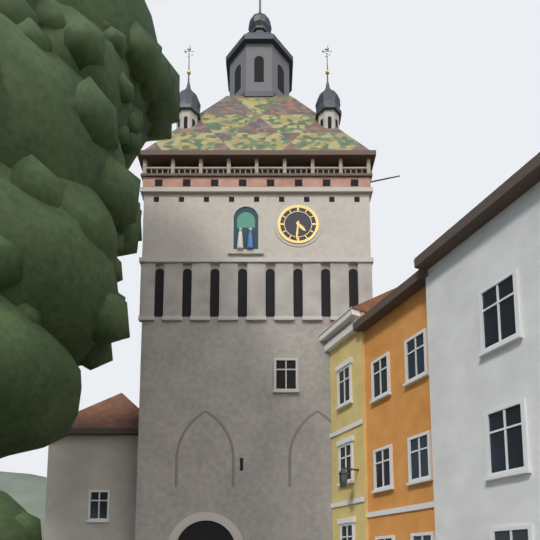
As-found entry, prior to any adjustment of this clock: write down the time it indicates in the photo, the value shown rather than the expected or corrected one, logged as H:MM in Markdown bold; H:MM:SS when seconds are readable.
**4:31**
